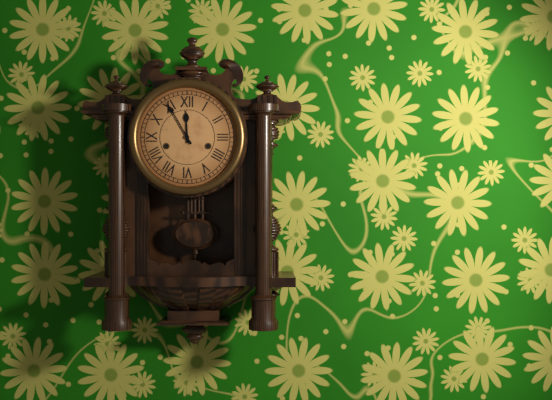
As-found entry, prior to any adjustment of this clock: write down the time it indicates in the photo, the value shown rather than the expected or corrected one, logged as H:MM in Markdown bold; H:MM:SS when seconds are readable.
**11:55**
